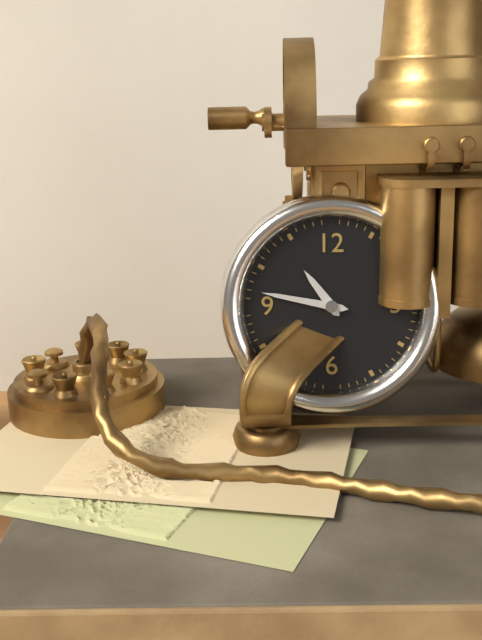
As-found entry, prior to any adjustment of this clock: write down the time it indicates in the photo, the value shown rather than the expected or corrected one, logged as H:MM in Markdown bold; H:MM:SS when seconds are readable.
**10:47**
